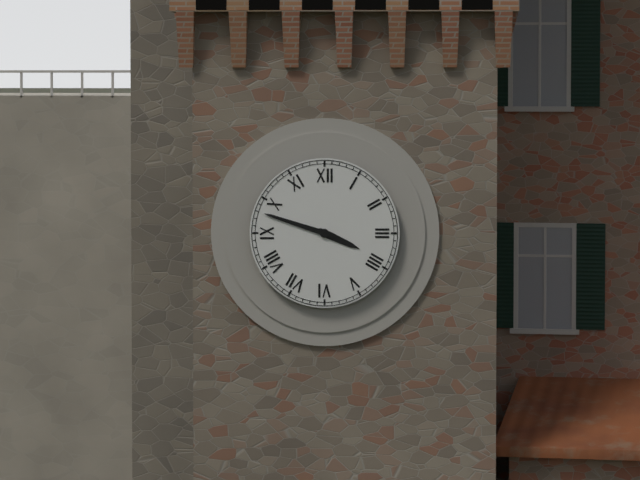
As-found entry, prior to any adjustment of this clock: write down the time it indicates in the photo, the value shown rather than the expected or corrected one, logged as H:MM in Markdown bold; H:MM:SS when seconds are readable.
**3:48**
